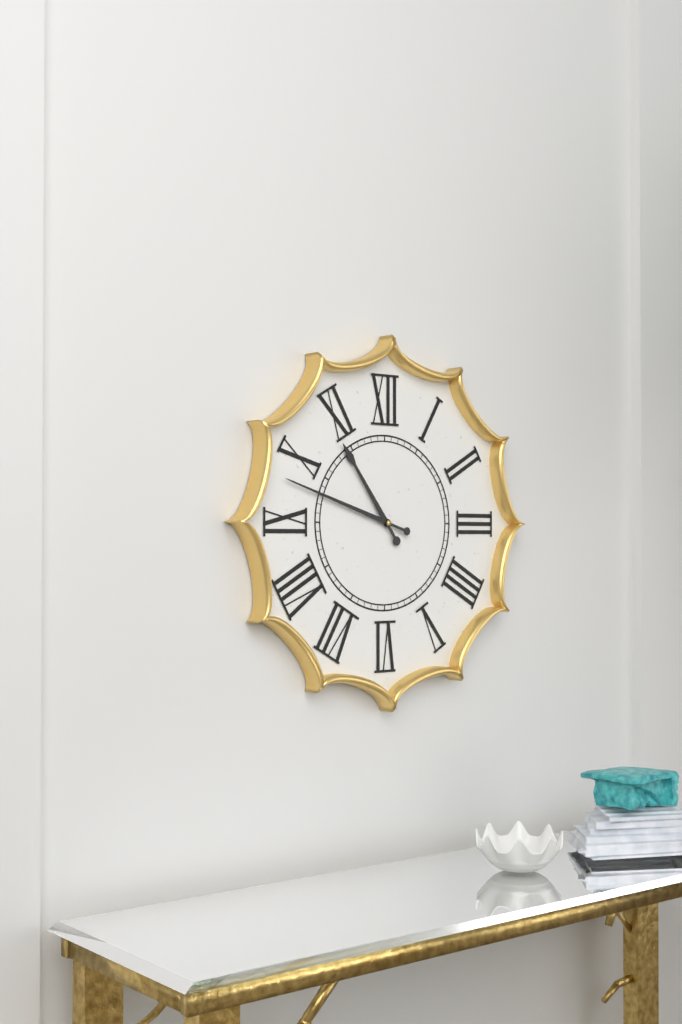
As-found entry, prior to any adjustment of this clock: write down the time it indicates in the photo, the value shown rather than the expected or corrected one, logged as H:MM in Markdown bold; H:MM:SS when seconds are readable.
**10:48**
